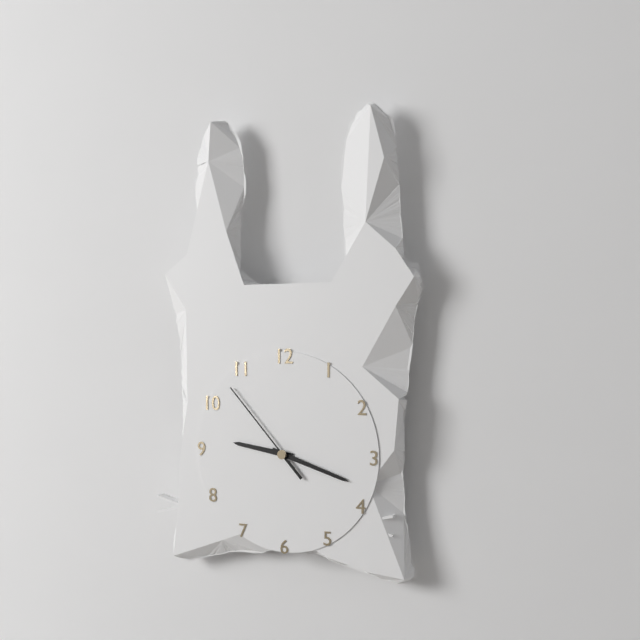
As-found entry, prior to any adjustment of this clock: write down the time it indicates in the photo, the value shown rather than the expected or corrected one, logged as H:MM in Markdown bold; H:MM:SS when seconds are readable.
**9:18:53**
